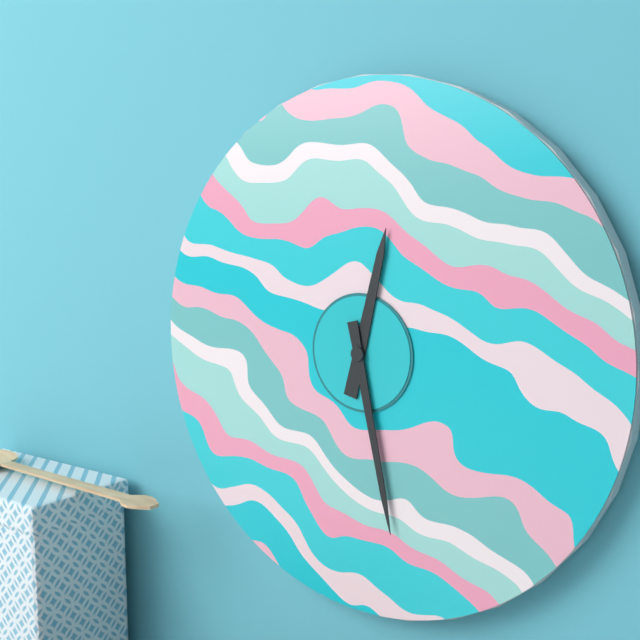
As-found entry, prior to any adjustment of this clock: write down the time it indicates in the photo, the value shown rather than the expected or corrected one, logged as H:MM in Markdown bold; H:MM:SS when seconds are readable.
**12:28**
